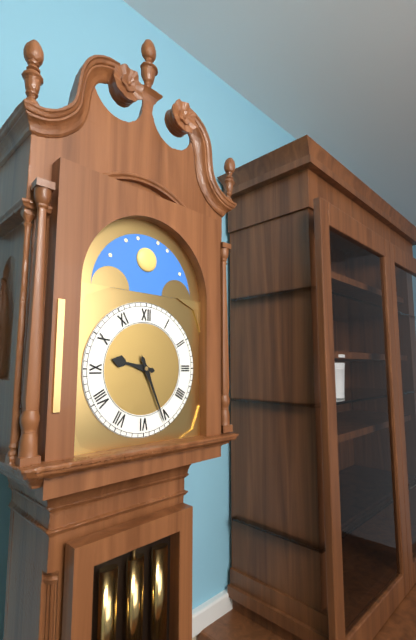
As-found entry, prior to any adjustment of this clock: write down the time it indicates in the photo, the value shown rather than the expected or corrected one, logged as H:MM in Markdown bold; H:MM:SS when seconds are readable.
**9:26**
